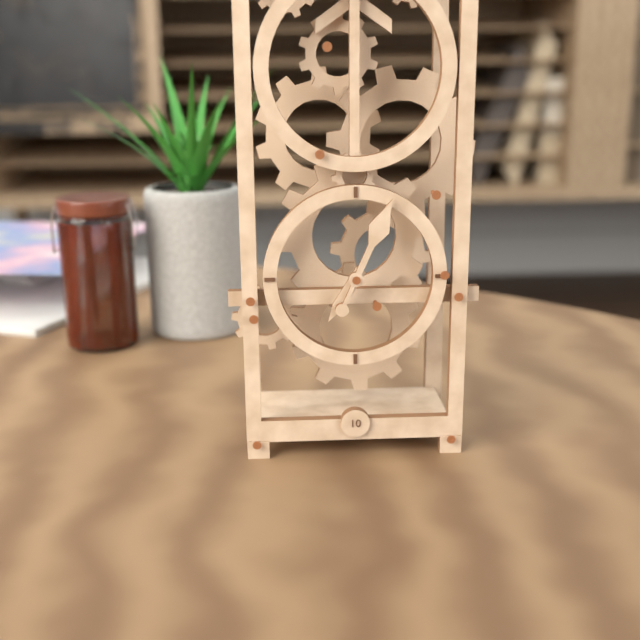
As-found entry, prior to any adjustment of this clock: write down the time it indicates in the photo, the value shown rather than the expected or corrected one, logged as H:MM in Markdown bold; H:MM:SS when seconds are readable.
**7:04**
